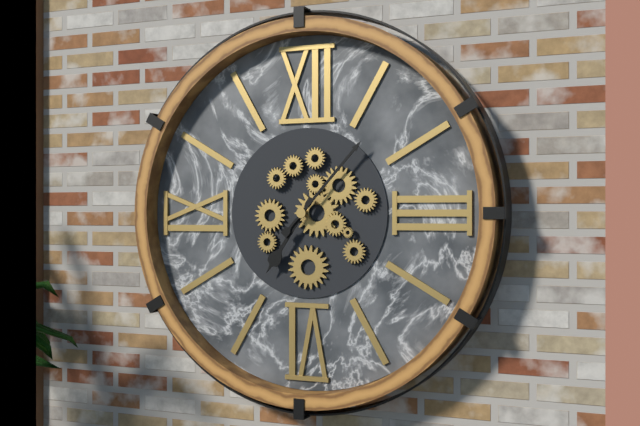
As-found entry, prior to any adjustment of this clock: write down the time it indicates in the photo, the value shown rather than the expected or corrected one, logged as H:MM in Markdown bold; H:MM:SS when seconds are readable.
**7:07**
